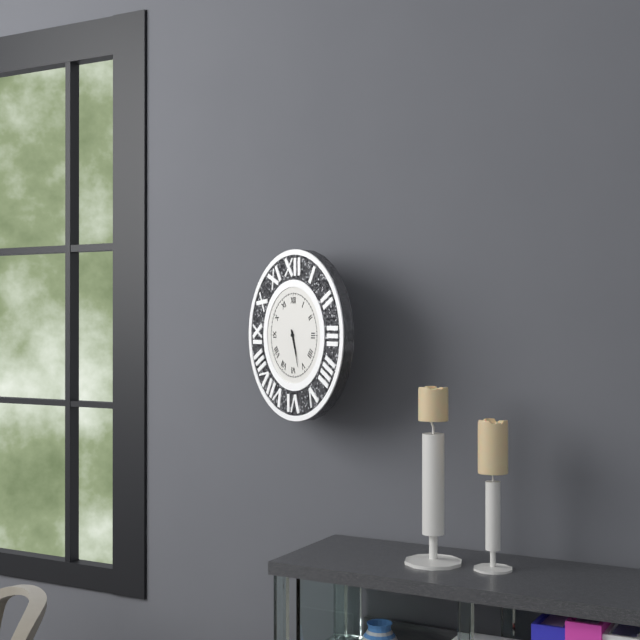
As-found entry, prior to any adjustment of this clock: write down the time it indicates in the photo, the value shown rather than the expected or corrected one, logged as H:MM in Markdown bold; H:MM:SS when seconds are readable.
**5:27**
